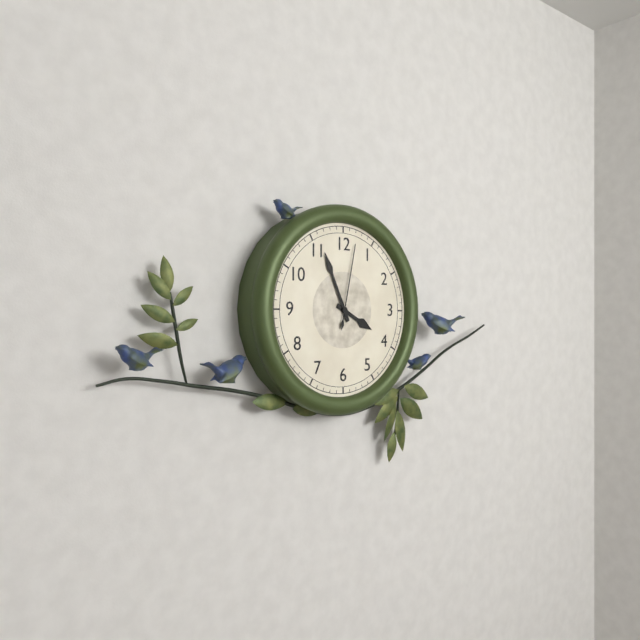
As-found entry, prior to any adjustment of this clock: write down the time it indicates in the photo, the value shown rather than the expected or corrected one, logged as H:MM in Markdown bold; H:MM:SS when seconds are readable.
**3:56:02**
